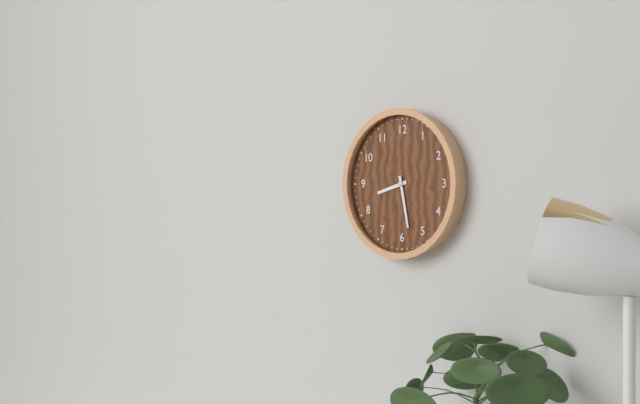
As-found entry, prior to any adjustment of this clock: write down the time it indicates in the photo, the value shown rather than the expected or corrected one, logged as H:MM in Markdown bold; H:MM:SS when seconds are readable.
**8:28**
